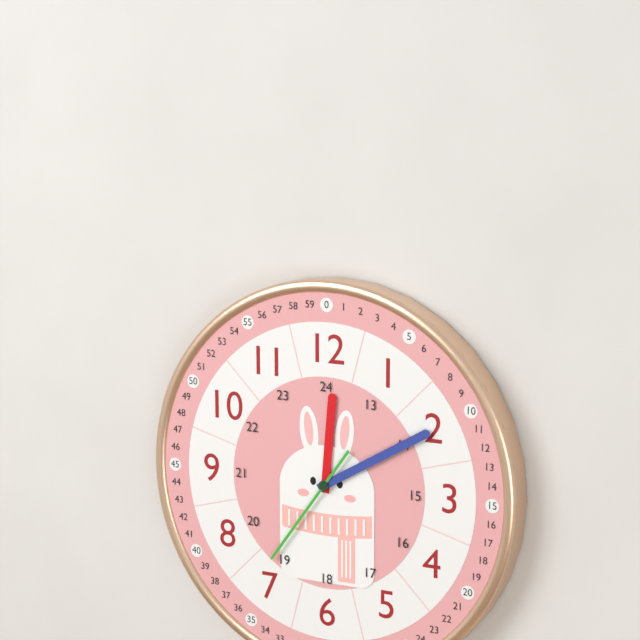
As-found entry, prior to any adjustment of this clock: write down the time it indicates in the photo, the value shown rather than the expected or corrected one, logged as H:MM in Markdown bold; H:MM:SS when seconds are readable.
**12:10:36**
